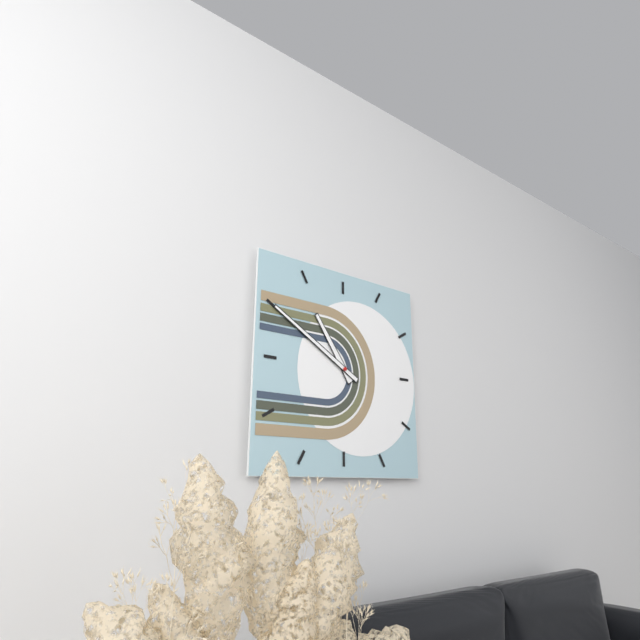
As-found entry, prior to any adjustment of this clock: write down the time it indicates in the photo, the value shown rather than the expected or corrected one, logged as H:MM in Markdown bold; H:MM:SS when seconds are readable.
**10:50**
